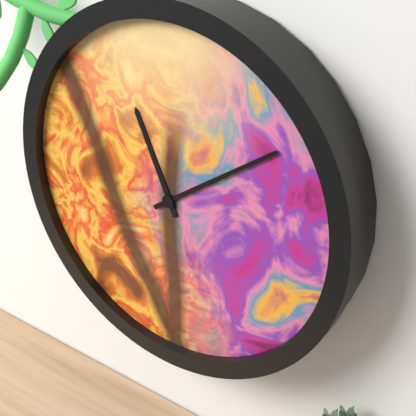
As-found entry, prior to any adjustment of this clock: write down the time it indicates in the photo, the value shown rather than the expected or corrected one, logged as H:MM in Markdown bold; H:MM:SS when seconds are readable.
**11:09**
